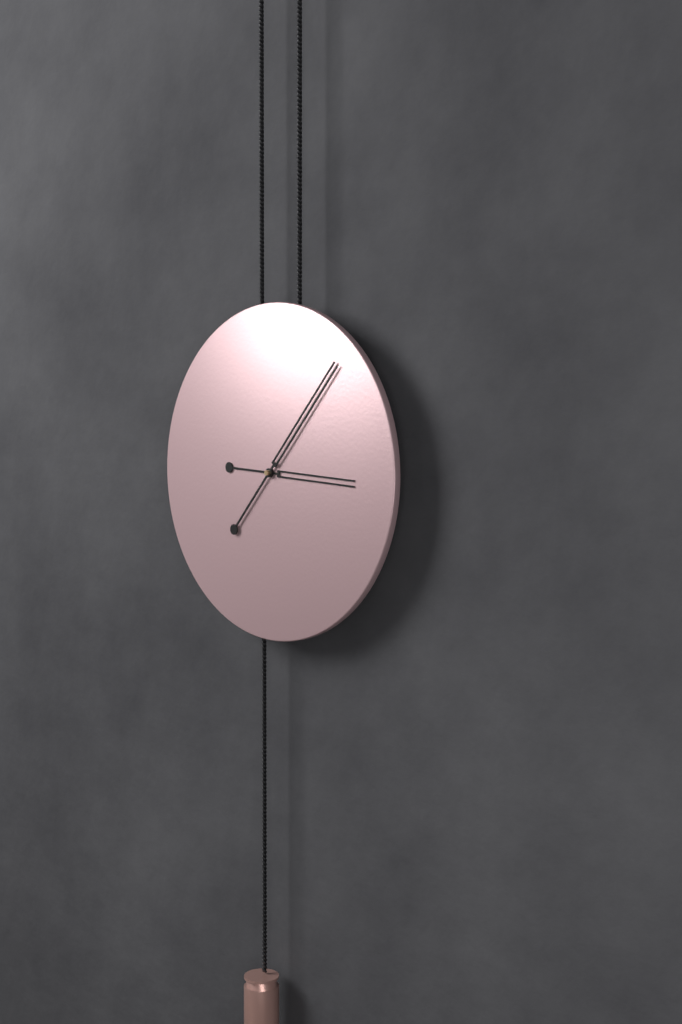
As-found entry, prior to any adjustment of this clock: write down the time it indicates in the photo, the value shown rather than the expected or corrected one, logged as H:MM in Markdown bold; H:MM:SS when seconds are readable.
**3:07**
